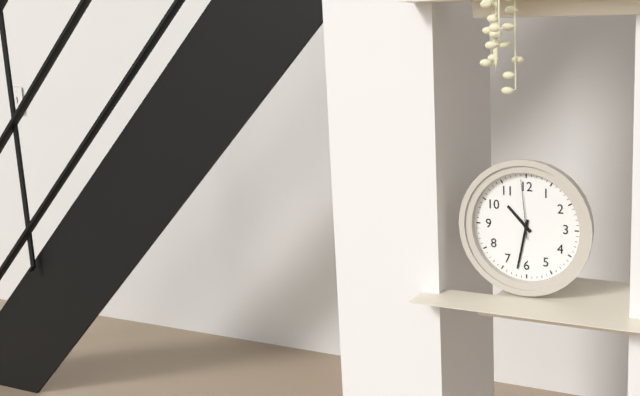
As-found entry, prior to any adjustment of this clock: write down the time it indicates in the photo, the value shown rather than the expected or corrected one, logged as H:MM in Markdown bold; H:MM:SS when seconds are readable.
**10:32:59**
